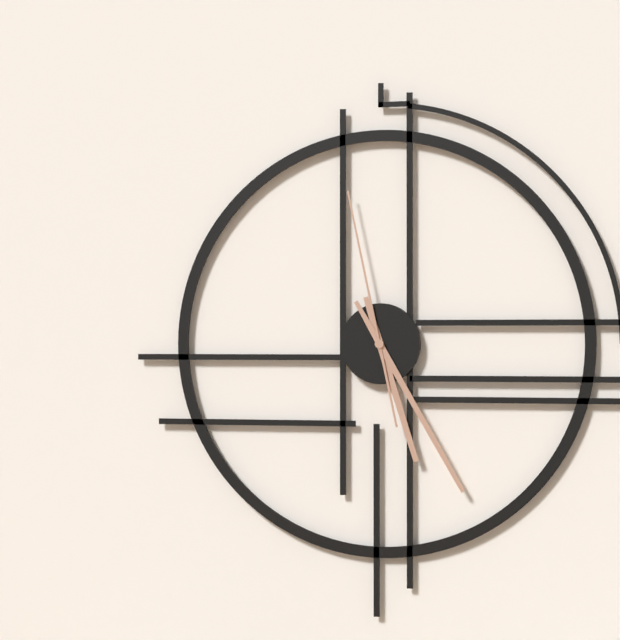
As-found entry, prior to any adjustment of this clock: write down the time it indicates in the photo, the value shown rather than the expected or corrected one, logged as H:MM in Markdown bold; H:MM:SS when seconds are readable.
**5:25:58**
